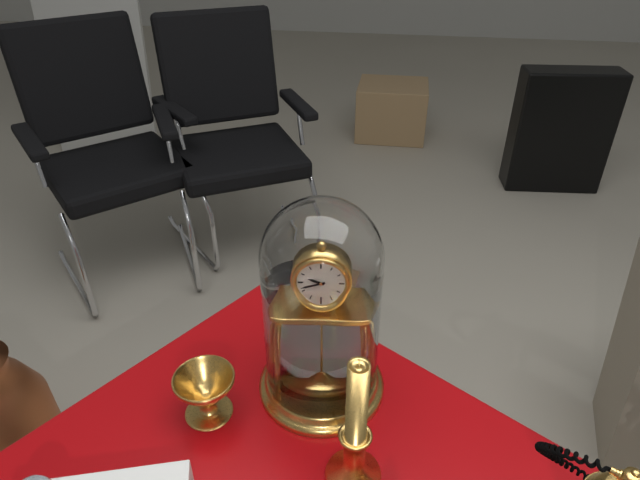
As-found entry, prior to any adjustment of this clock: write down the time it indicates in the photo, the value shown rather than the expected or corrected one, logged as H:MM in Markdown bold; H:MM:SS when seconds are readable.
**9:42**
